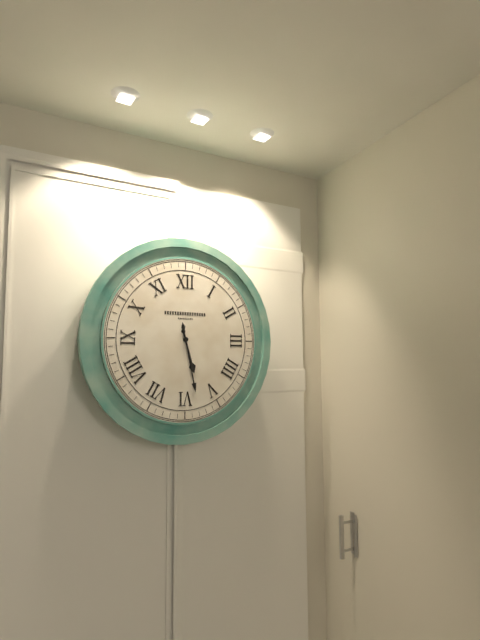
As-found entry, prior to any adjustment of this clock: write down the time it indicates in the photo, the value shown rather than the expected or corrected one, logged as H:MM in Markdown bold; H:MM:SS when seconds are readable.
**5:28**
